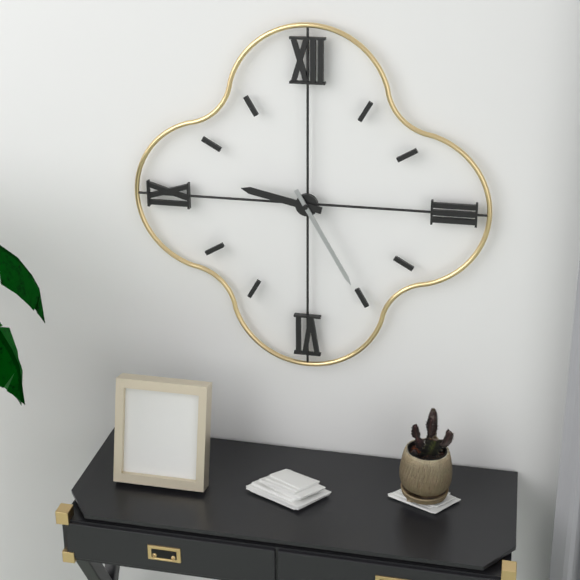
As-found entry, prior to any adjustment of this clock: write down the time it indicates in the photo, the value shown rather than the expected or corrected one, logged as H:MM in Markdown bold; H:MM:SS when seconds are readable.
**9:25**
